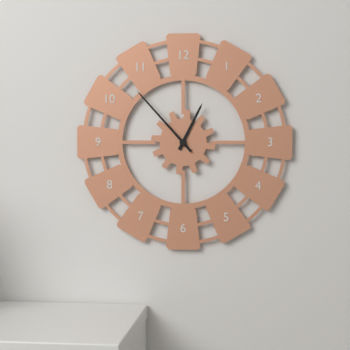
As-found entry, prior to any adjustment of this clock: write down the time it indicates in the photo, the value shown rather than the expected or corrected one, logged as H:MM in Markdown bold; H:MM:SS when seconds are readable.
**12:53**
